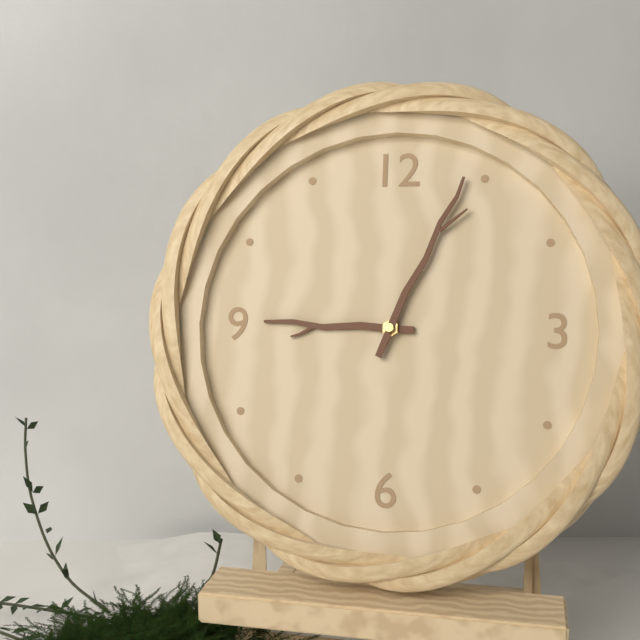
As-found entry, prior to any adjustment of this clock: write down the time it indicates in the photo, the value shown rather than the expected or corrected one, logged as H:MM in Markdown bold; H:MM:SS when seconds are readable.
**9:04**
